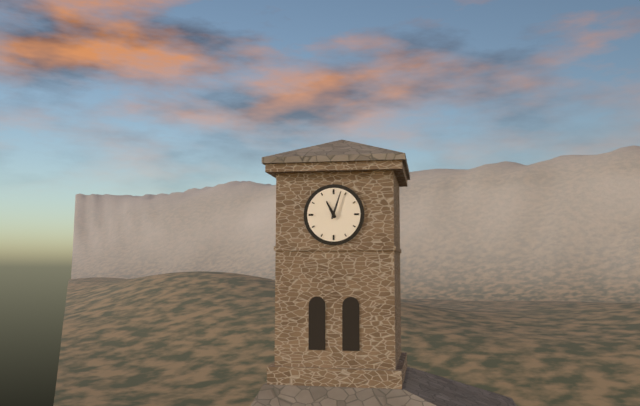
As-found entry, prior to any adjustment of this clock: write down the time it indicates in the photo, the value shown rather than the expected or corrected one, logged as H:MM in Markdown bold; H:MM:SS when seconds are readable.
**11:03**
